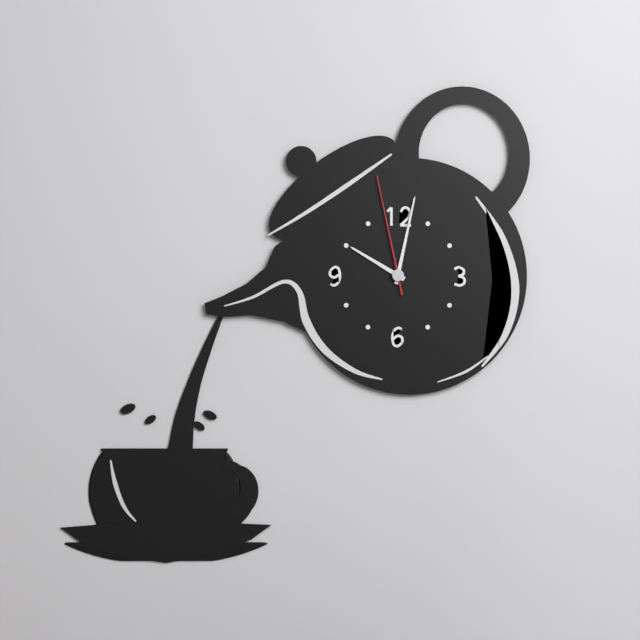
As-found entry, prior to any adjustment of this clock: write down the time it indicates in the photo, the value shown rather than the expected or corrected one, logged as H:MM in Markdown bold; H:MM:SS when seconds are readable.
**10:02:58**
